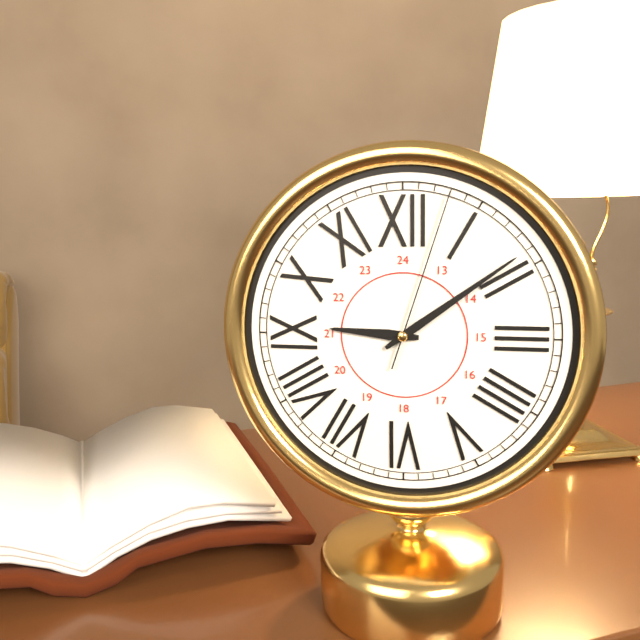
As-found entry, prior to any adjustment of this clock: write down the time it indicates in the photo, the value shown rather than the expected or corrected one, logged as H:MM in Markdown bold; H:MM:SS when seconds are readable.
**9:09:03**
